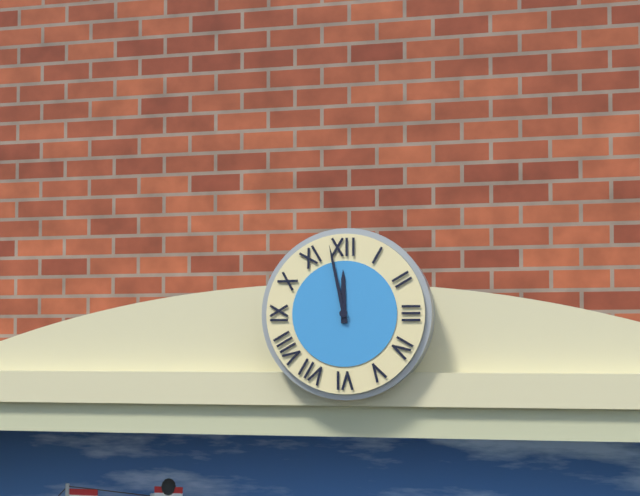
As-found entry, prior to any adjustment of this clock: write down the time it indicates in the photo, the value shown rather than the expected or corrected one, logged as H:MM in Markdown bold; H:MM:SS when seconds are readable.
**11:58**
